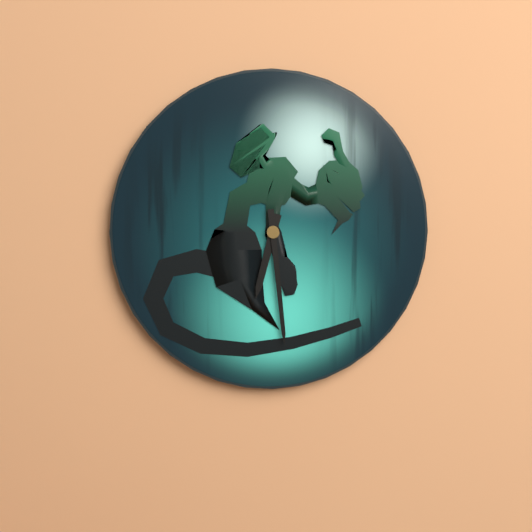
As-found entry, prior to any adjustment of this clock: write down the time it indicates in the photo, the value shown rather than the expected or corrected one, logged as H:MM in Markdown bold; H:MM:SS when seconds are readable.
**6:29**
